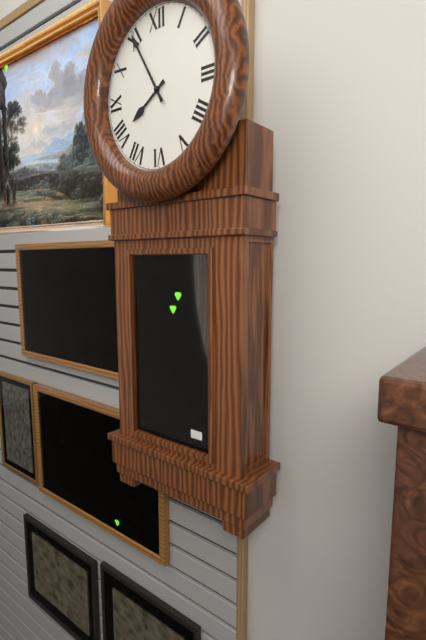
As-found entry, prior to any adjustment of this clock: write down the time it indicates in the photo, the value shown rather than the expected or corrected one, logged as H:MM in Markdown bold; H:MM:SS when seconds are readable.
**7:55**
